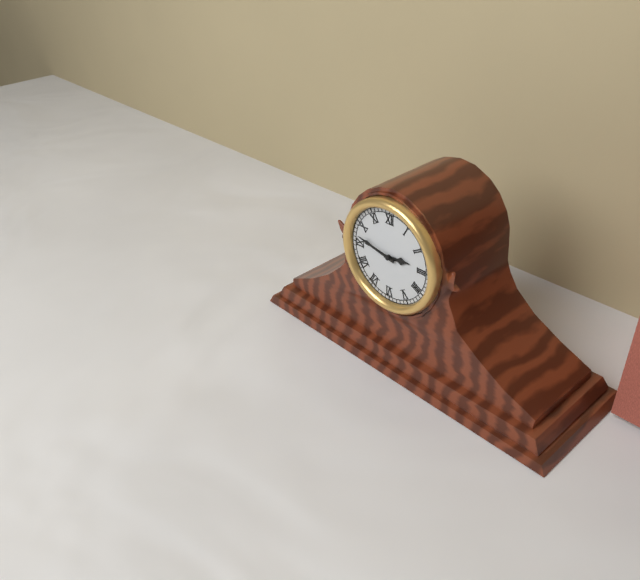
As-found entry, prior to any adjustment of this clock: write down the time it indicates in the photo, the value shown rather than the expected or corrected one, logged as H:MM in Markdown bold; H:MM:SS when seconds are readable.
**2:47**
